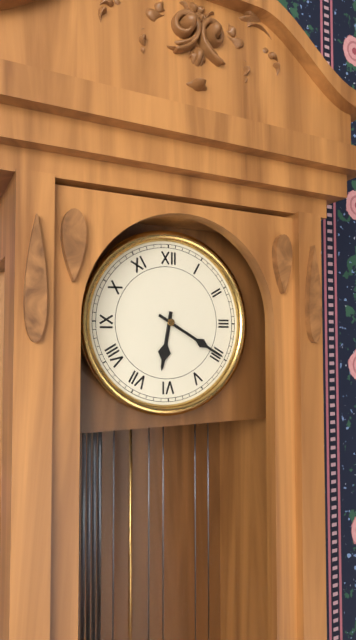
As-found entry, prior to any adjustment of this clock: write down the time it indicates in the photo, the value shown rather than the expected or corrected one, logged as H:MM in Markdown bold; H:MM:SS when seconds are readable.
**6:20**
